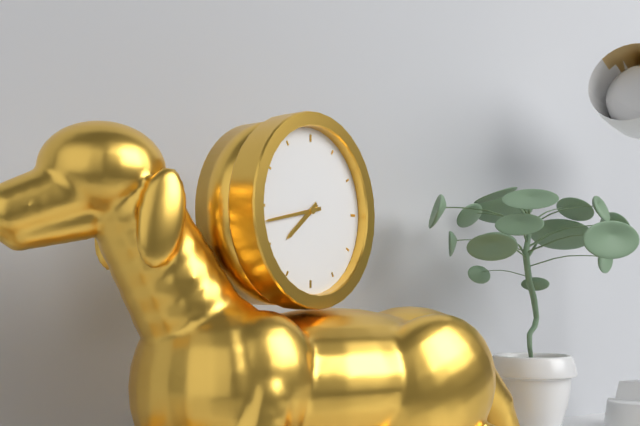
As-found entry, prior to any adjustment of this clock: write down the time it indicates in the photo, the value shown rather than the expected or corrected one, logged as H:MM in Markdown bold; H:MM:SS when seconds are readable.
**7:43**
